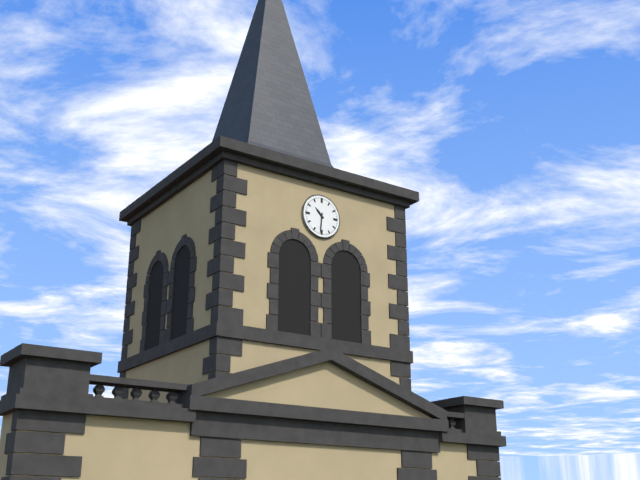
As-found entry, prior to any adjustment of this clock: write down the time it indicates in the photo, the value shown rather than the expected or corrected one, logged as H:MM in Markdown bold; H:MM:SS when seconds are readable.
**10:31**
